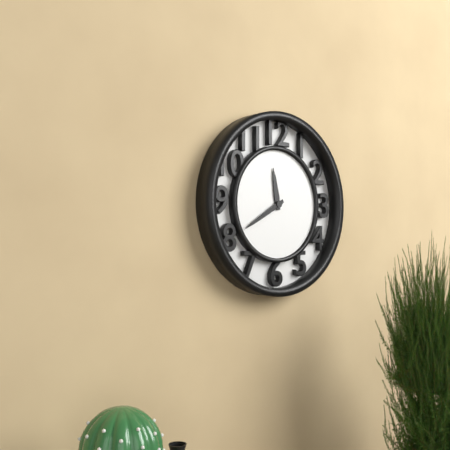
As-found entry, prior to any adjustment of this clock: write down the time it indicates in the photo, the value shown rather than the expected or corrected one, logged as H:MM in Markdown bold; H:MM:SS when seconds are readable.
**11:40**
